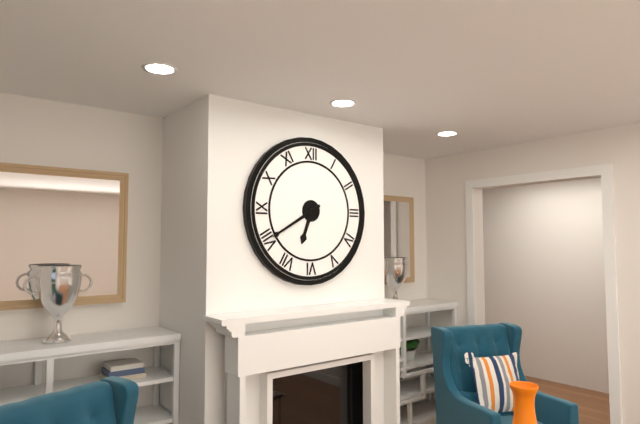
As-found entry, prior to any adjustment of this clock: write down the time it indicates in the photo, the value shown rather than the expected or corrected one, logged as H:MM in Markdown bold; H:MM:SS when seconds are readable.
**6:40**
